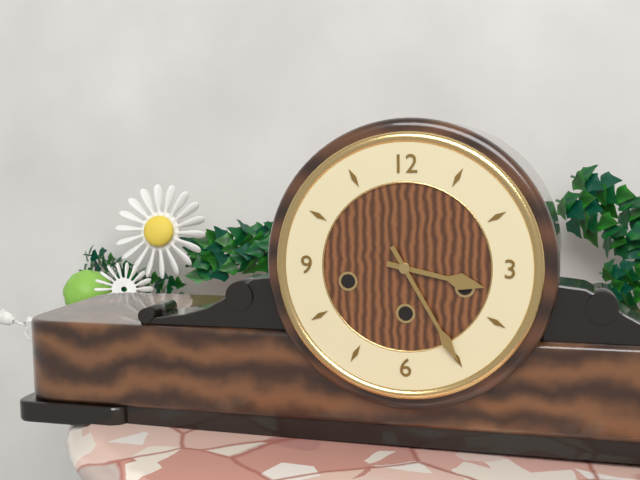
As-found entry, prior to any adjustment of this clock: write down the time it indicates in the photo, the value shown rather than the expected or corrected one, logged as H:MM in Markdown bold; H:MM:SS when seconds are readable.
**3:25**
